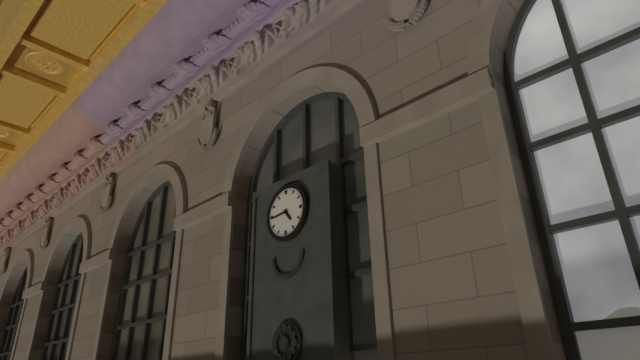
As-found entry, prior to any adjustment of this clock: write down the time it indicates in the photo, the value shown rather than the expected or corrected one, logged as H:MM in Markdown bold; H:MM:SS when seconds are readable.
**4:44**
